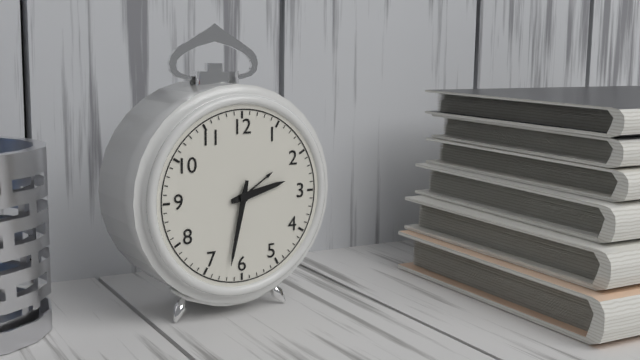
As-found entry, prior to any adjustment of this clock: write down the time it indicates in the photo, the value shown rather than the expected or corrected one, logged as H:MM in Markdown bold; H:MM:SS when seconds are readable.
**2:32**
